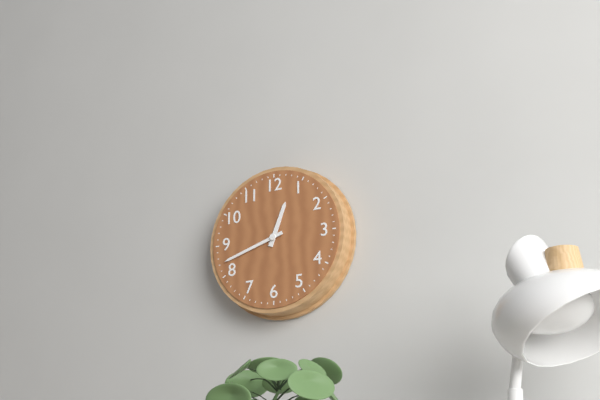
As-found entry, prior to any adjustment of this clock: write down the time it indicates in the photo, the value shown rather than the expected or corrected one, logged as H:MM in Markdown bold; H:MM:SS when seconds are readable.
**12:42**
